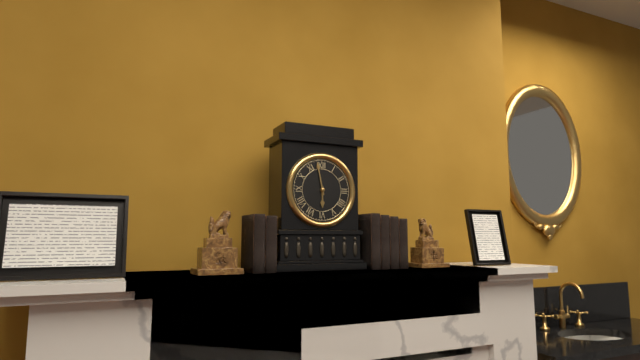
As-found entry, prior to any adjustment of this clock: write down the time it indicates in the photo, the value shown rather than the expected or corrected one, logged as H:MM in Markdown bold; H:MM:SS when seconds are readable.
**5:58**
